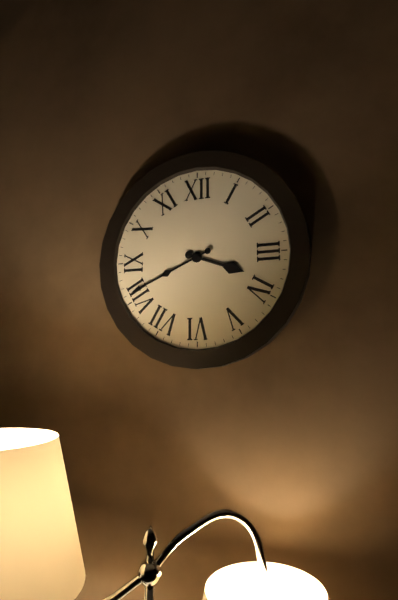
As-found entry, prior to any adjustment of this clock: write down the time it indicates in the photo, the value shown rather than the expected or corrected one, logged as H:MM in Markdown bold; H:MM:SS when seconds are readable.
**3:41**
